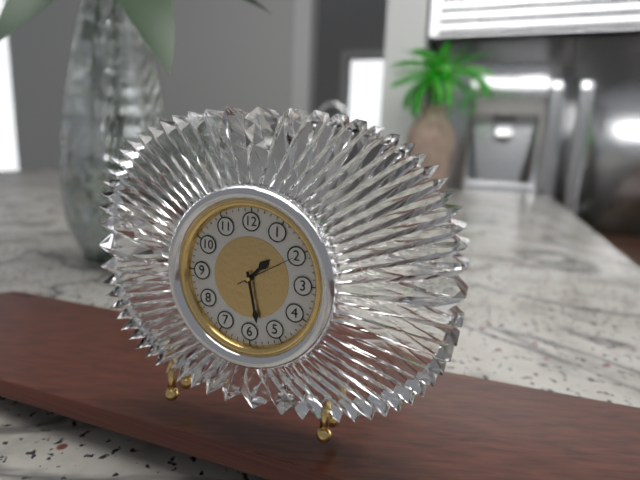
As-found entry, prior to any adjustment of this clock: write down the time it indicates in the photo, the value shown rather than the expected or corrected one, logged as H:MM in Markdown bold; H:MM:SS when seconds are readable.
**1:28:10**
